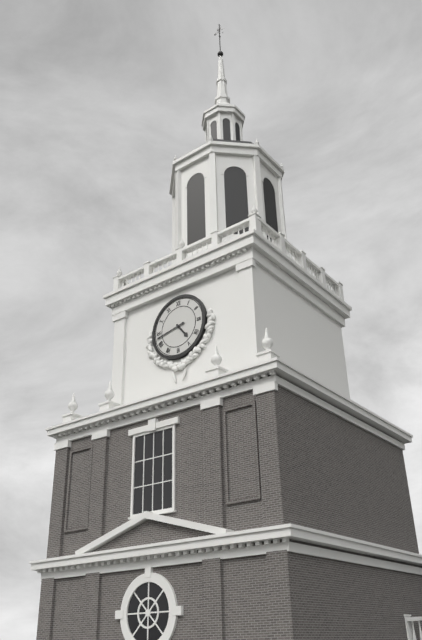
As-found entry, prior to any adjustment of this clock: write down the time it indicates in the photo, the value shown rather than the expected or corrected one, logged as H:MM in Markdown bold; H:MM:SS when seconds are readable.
**4:43**
